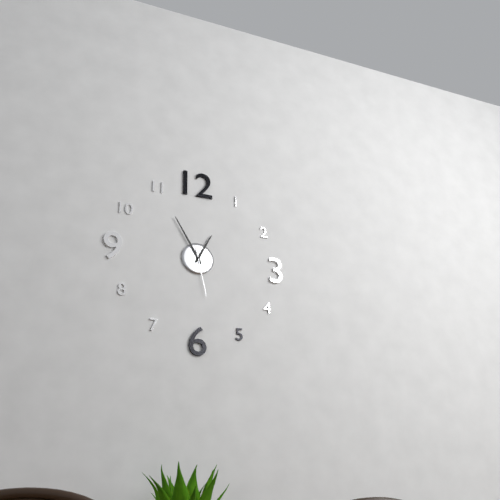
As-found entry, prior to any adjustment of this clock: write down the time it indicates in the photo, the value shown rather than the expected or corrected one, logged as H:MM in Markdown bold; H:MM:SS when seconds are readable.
**12:55:28**
